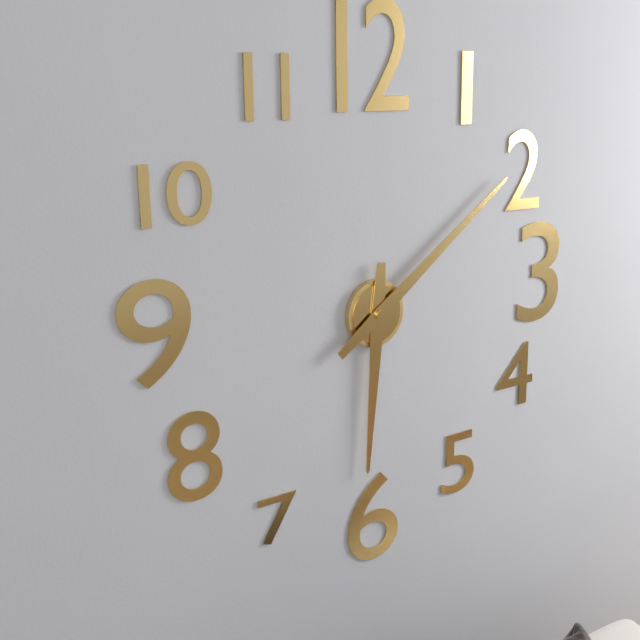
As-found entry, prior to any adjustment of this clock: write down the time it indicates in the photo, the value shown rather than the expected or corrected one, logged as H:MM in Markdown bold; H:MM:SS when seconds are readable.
**6:09**
